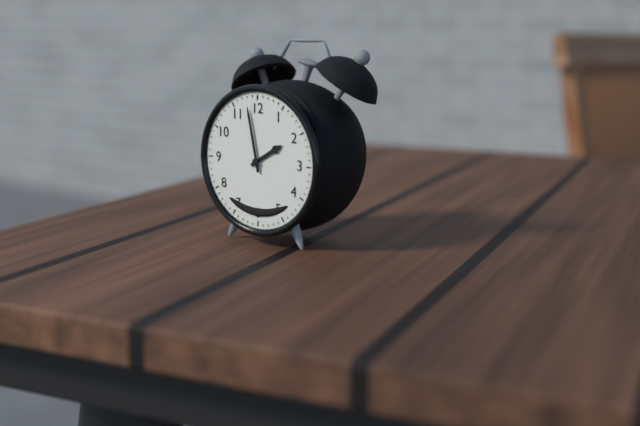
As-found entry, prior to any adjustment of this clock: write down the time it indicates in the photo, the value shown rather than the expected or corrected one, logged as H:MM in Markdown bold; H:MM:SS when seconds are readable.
**1:58**
